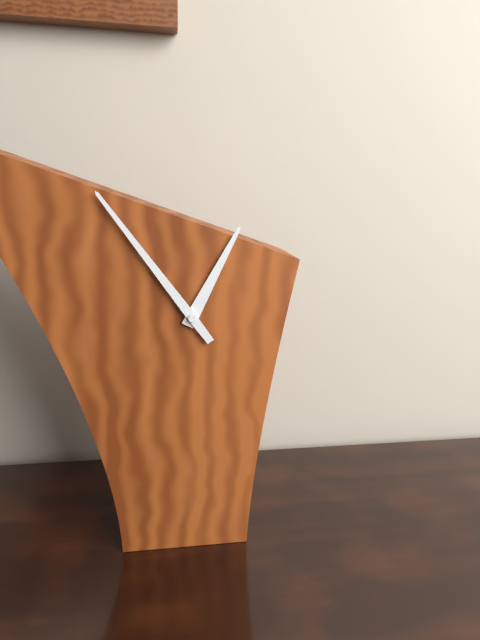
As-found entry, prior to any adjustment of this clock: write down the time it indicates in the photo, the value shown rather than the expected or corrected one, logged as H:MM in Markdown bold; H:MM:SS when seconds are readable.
**12:54**
